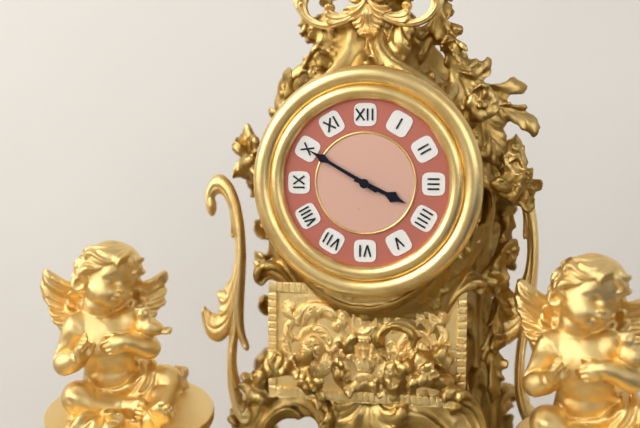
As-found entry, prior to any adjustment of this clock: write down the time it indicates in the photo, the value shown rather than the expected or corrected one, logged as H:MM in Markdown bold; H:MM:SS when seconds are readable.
**3:50**
